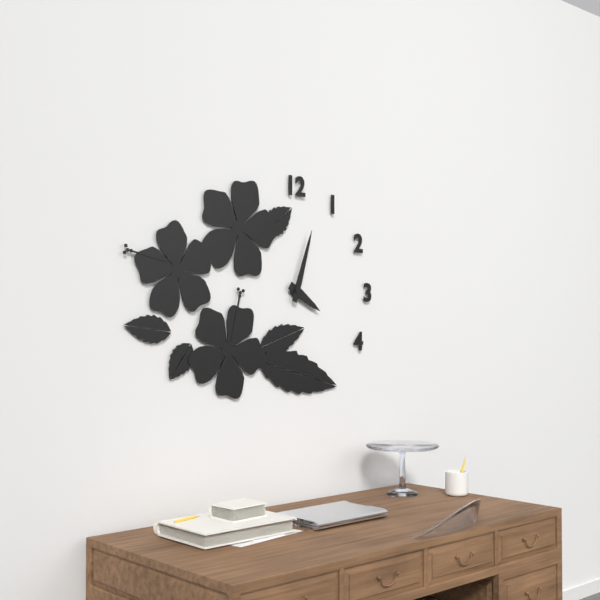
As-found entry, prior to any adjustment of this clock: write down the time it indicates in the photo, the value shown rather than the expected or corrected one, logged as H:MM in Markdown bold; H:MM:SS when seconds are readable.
**4:03**
